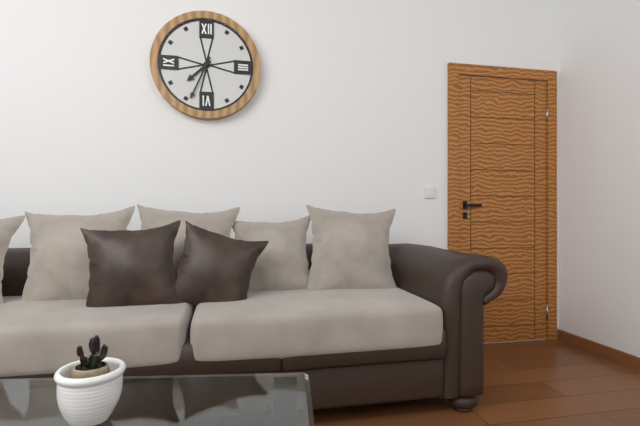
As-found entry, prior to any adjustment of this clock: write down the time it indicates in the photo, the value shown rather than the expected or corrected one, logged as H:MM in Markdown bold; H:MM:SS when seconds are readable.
**7:34**
